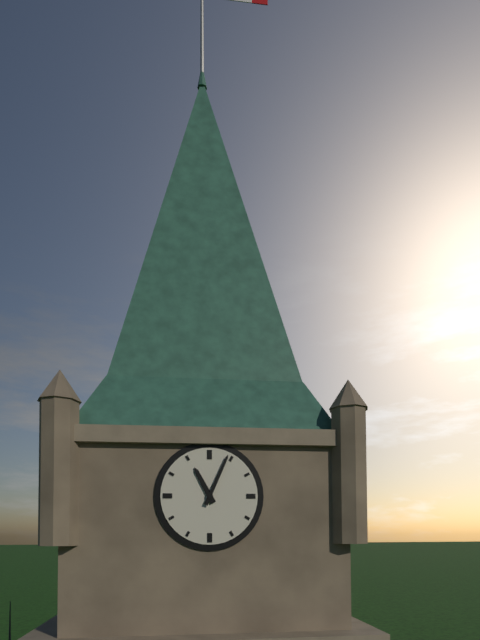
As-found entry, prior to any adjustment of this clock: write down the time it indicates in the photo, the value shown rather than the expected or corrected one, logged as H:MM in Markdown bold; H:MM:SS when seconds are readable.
**11:04**
